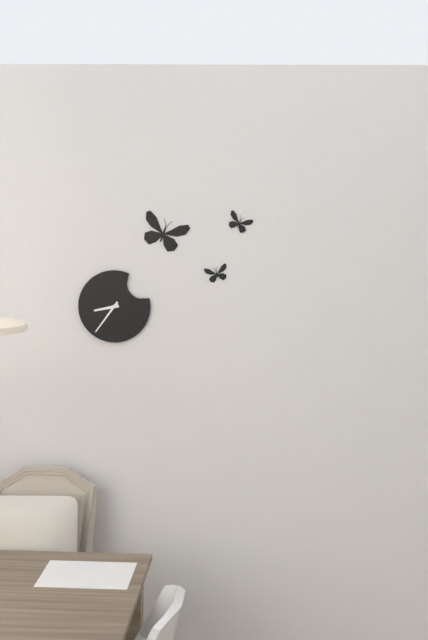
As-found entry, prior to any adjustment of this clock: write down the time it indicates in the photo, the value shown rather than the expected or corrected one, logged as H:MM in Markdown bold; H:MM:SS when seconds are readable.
**8:36**
